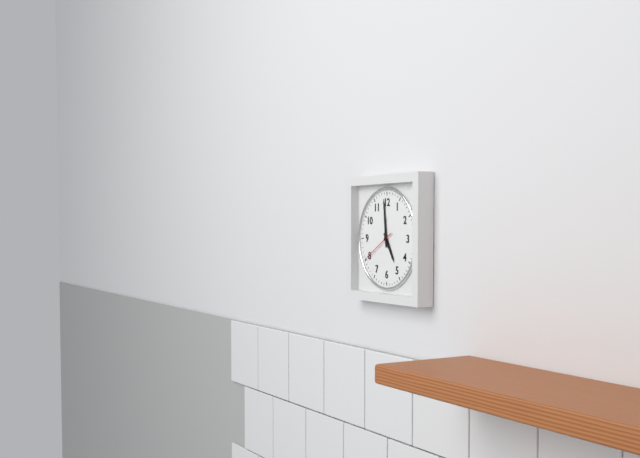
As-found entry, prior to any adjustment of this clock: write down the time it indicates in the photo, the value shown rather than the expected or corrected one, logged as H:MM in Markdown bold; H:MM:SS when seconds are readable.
**4:59**
